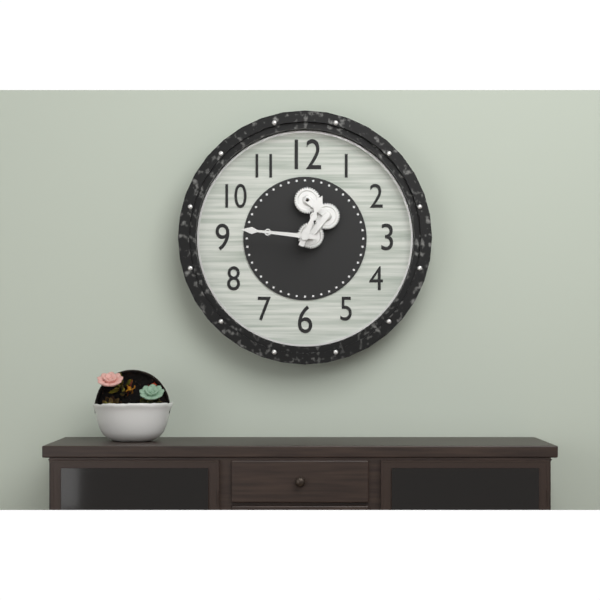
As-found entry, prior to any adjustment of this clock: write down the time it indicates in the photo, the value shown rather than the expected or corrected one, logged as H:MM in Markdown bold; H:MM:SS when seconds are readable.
**12:46**
